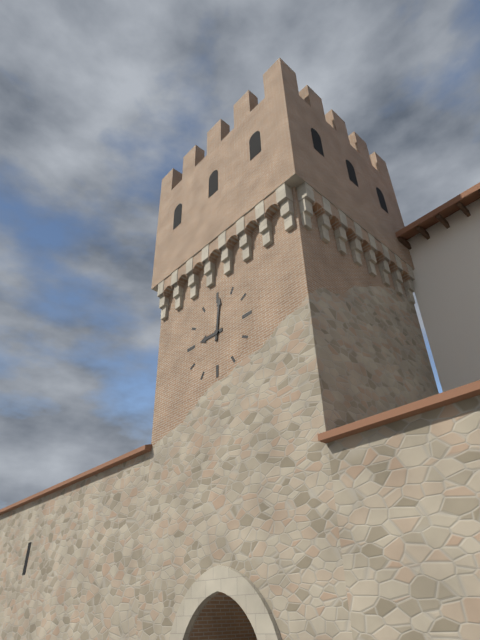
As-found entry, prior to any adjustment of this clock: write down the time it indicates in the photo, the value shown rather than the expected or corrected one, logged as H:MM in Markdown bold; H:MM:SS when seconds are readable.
**9:01**
